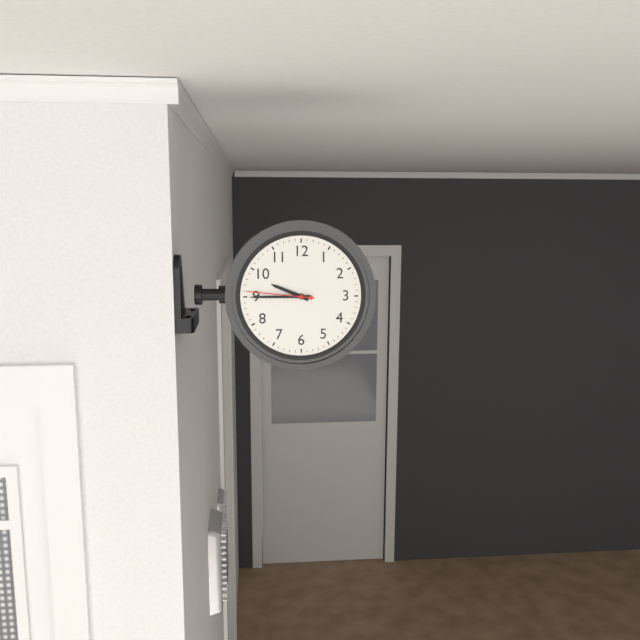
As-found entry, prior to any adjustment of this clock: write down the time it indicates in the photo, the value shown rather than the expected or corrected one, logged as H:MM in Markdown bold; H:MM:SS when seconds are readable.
**9:45:46**
